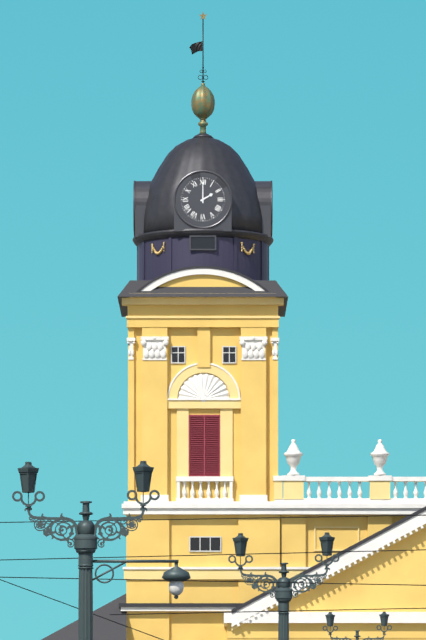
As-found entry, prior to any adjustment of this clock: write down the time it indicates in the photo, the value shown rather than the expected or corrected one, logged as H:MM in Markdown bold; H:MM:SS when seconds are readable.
**2:00**
